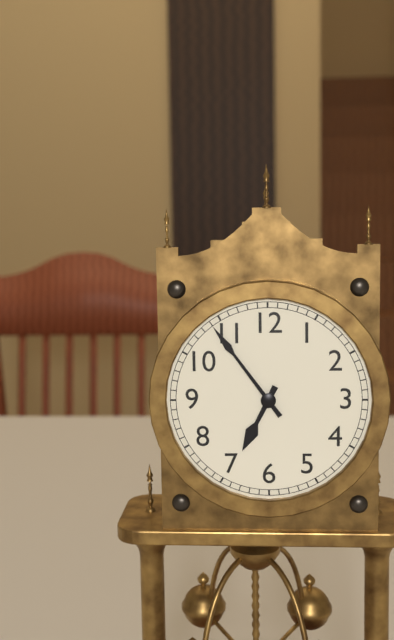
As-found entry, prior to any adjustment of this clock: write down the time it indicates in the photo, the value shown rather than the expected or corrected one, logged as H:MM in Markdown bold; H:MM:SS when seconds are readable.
**6:54**
